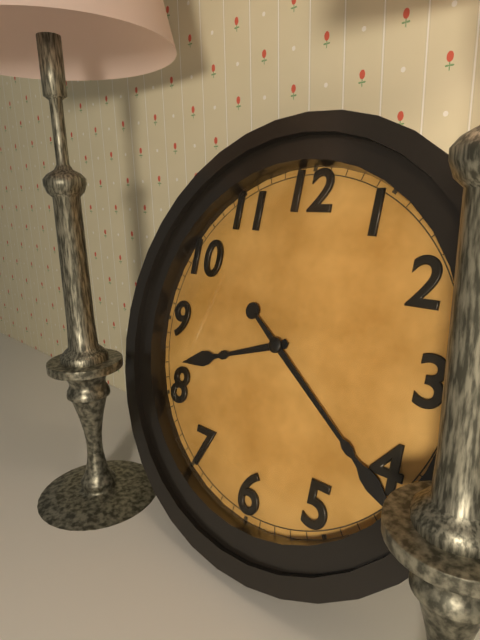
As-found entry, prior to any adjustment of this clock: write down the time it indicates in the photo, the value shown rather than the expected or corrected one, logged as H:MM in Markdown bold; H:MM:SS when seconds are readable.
**8:21**
